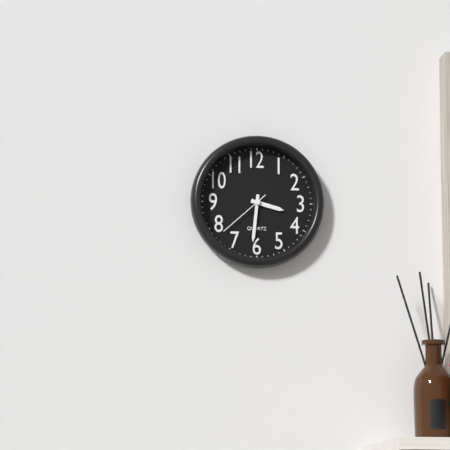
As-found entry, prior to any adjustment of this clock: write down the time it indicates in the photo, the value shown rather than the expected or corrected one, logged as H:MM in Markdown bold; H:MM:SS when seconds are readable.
**3:31:38**
